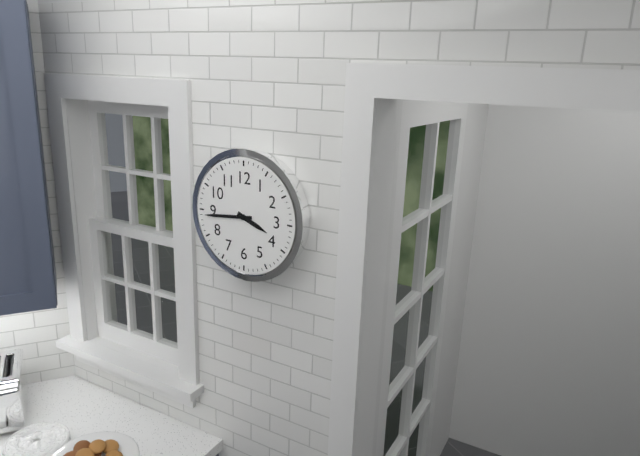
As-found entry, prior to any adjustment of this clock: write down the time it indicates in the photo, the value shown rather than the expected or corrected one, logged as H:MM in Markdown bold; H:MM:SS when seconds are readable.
**3:44**
